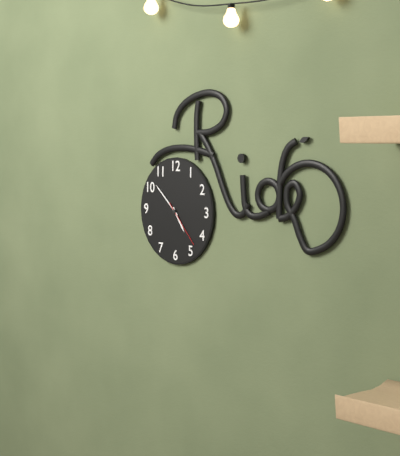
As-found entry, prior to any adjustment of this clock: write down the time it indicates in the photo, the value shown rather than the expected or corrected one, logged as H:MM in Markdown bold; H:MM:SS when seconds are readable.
**4:52**
